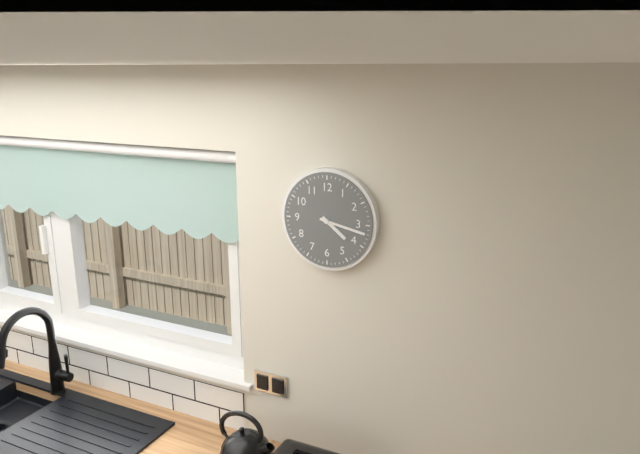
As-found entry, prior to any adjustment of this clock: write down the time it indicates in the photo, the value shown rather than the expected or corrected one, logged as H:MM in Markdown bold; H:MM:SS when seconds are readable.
**4:17**
